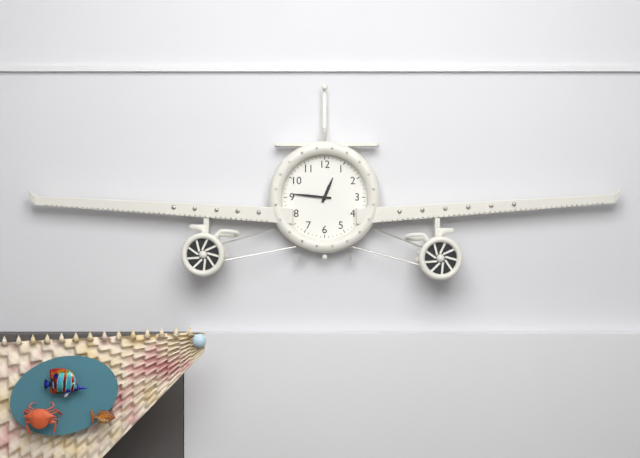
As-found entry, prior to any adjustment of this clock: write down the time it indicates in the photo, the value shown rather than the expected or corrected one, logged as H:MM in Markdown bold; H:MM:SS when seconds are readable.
**12:46**
